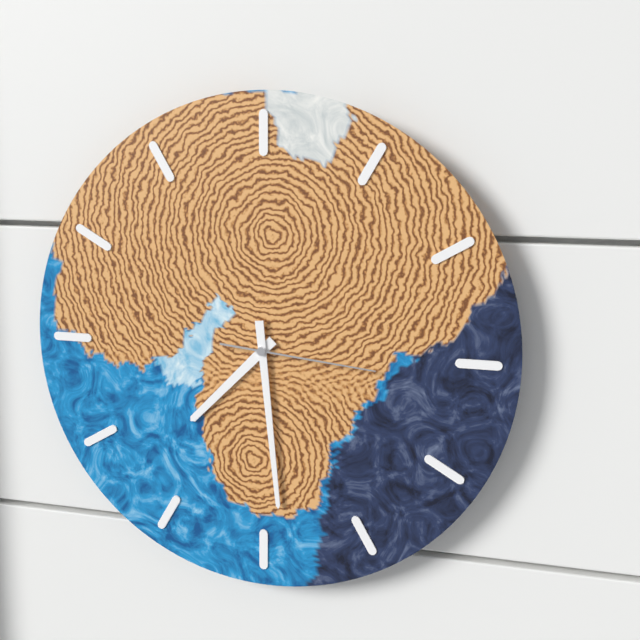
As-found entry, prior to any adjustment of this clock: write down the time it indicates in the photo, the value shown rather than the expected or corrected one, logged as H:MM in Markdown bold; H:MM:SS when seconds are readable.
**7:29:16**
